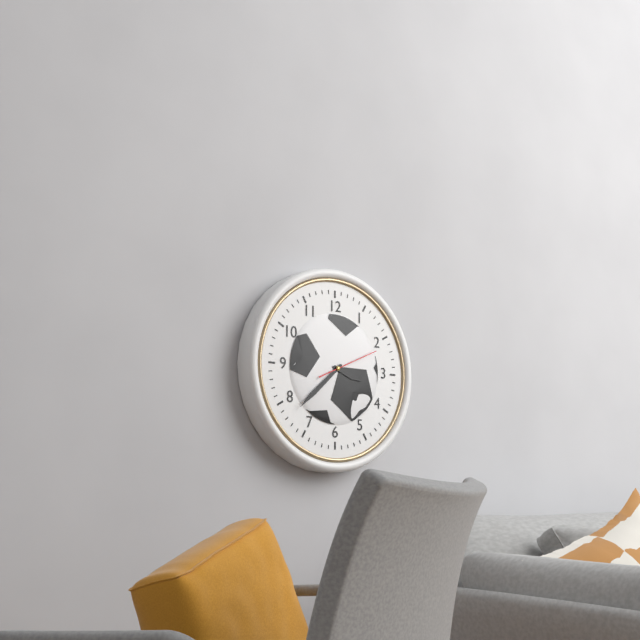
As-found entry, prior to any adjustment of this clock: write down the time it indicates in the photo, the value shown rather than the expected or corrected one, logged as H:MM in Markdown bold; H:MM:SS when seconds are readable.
**3:38:11**
